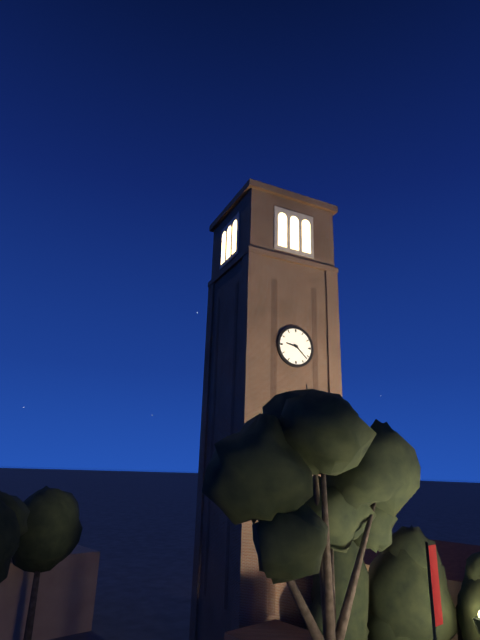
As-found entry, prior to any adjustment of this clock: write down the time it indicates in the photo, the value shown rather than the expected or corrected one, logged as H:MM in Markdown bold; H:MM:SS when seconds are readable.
**9:22**
